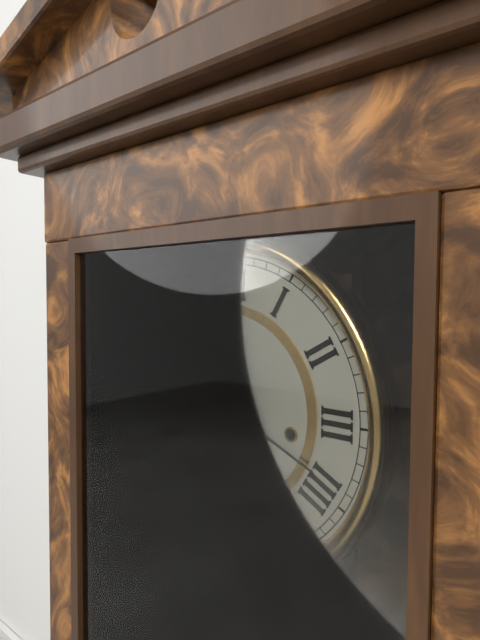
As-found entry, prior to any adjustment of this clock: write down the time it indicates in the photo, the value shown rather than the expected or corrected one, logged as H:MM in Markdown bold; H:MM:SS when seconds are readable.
**5:19**
